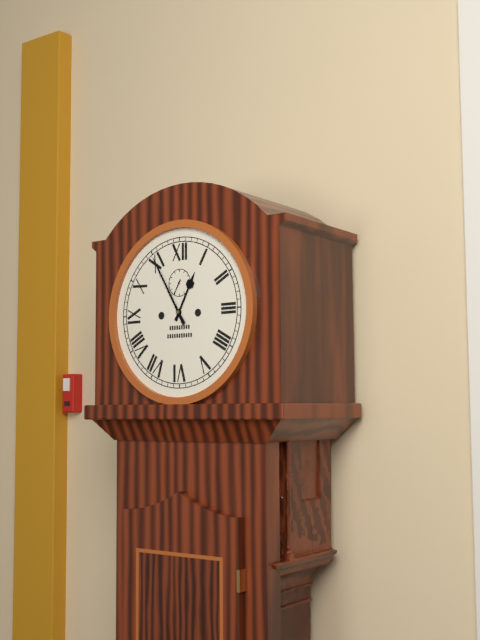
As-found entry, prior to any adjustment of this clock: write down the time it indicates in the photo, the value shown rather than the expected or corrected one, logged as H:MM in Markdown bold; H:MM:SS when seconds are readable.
**12:55**
